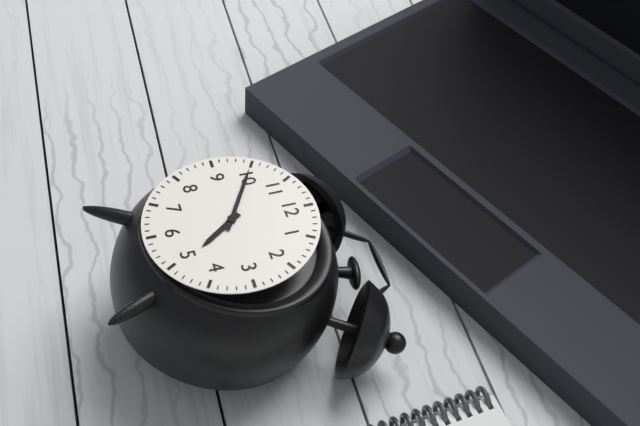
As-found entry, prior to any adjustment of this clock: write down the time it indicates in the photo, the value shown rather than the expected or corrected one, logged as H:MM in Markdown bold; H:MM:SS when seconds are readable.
**4:50**
